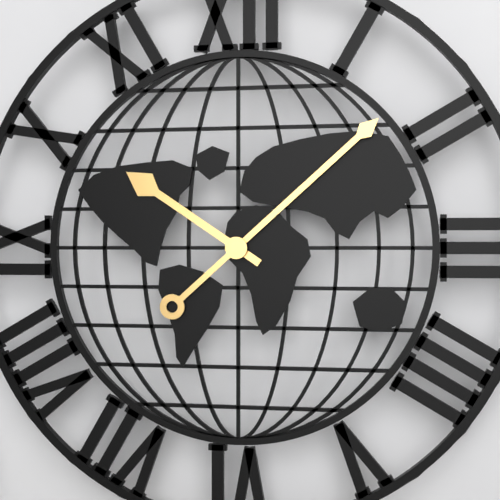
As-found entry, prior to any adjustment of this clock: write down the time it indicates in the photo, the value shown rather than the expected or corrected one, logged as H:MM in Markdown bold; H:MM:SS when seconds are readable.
**10:08**
